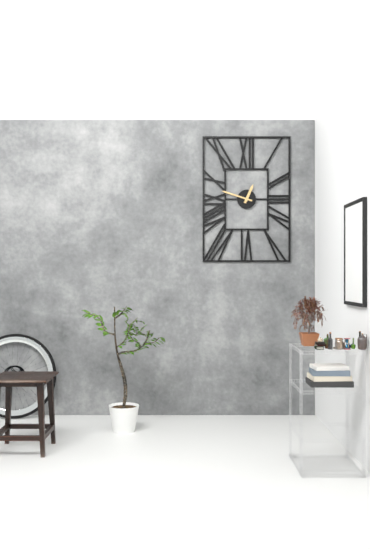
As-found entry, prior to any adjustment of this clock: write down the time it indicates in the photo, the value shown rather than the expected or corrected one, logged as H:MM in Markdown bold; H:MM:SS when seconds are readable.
**12:48**
